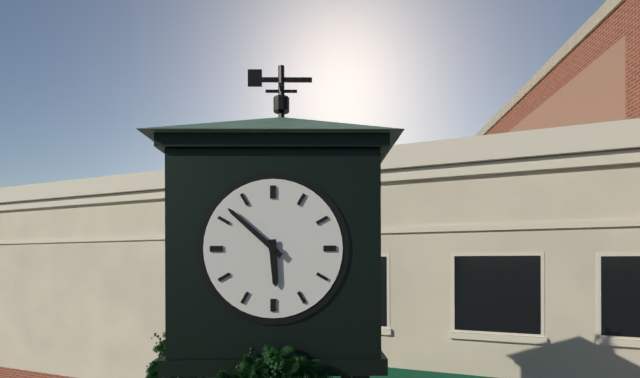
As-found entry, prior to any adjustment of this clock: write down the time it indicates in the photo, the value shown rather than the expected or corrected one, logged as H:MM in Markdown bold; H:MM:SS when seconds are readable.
**5:52**
